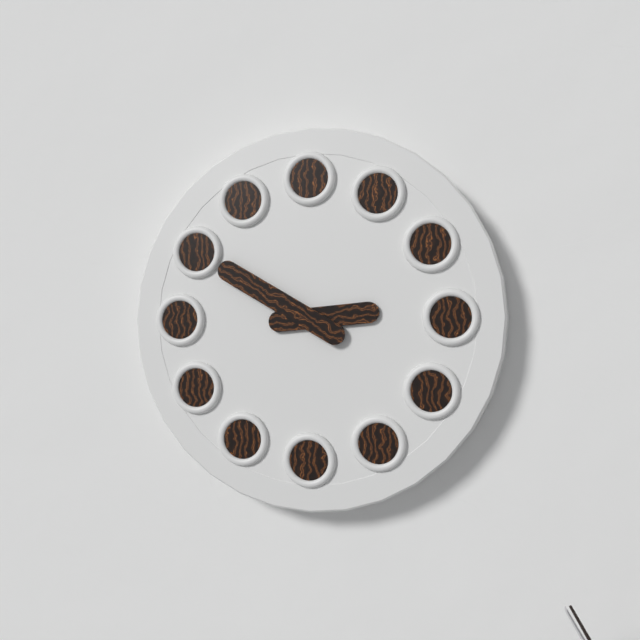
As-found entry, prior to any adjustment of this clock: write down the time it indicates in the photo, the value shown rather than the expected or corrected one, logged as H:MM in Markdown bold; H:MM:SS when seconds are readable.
**2:50**
